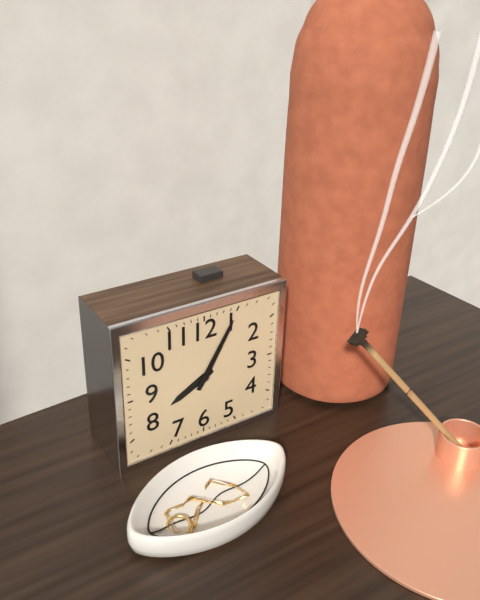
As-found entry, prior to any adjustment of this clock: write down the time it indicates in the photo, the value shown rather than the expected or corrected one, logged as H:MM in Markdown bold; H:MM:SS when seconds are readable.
**8:05**
